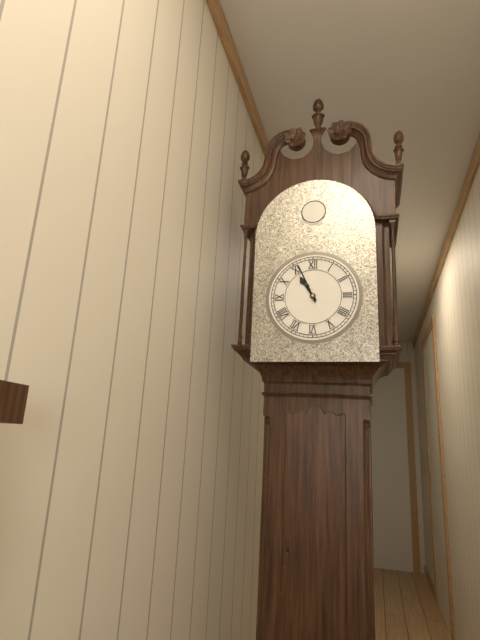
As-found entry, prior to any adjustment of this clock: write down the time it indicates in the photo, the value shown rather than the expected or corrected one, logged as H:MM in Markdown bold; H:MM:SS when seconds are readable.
**10:56**
